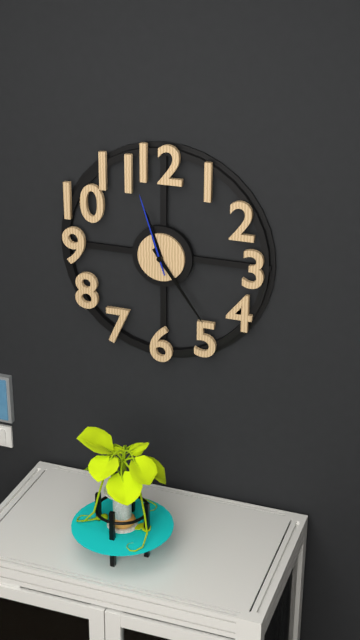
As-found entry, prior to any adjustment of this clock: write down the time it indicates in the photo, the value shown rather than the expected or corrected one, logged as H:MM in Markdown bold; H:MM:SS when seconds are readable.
**11:24:57**
